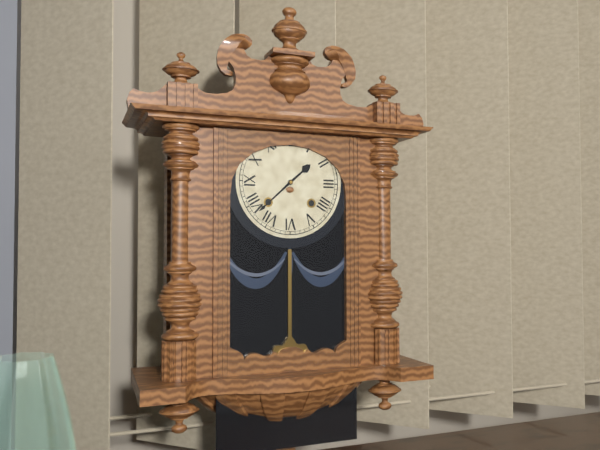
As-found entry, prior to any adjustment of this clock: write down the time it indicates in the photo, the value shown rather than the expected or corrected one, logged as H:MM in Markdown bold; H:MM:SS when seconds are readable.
**1:38**
